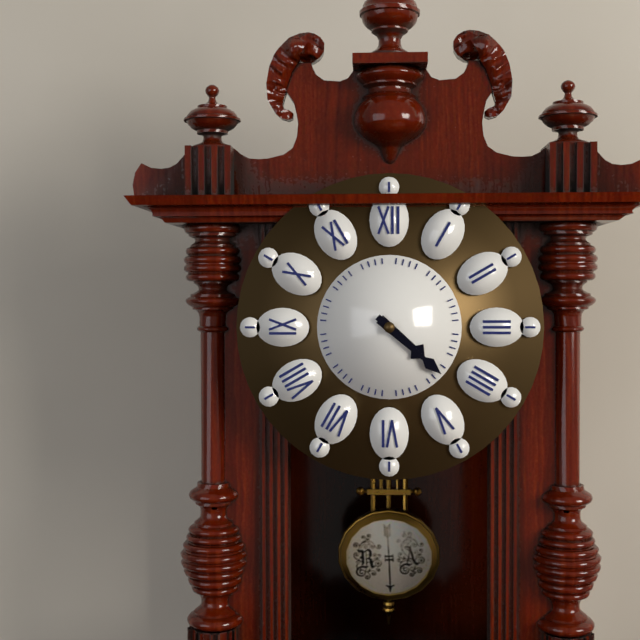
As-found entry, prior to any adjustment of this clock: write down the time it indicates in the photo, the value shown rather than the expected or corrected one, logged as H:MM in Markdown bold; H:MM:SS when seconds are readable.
**4:22**
